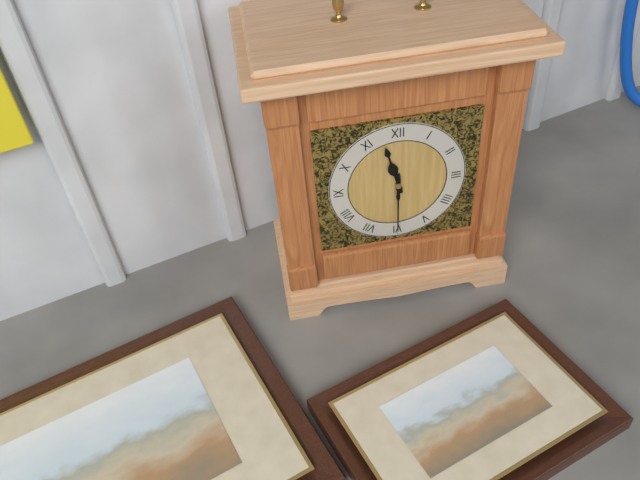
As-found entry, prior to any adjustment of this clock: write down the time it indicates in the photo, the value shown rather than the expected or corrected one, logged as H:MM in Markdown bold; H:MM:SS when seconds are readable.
**11:30**
